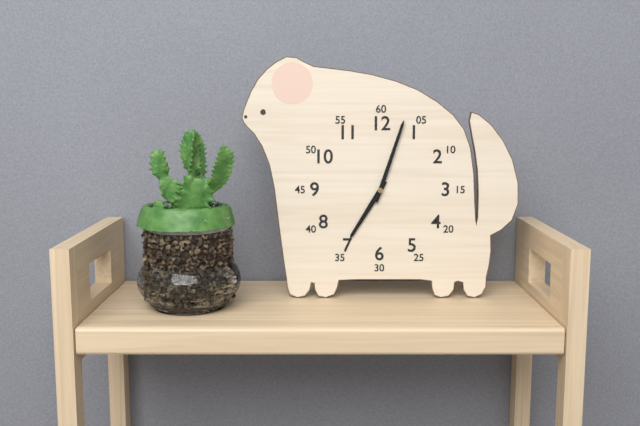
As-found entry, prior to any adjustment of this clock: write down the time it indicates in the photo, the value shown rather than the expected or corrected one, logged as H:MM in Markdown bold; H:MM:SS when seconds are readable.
**7:03**
